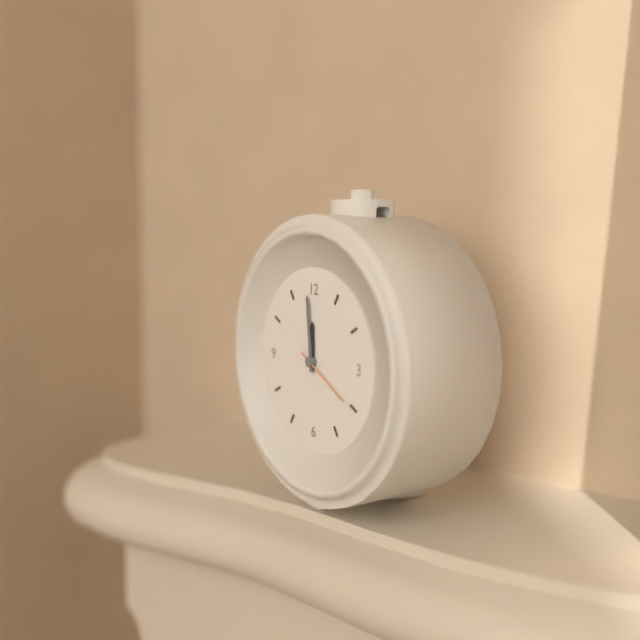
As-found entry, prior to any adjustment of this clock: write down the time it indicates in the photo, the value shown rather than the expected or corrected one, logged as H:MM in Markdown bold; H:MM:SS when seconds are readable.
**11:59:20**
